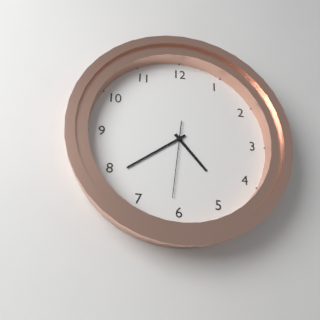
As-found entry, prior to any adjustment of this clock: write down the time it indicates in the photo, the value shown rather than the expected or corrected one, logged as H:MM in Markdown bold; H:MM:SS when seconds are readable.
**4:39:31**
